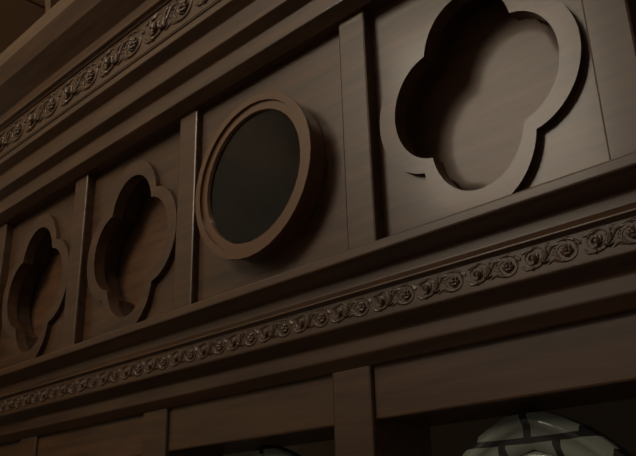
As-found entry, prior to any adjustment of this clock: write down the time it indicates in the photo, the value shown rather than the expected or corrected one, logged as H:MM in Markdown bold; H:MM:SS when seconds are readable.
**5:08**
